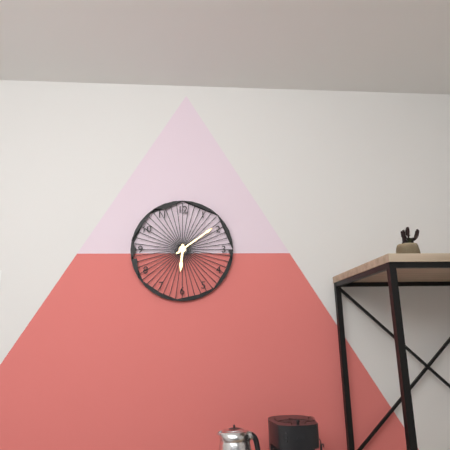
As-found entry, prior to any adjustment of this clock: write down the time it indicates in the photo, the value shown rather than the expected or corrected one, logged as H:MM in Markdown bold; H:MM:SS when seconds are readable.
**6:09**
